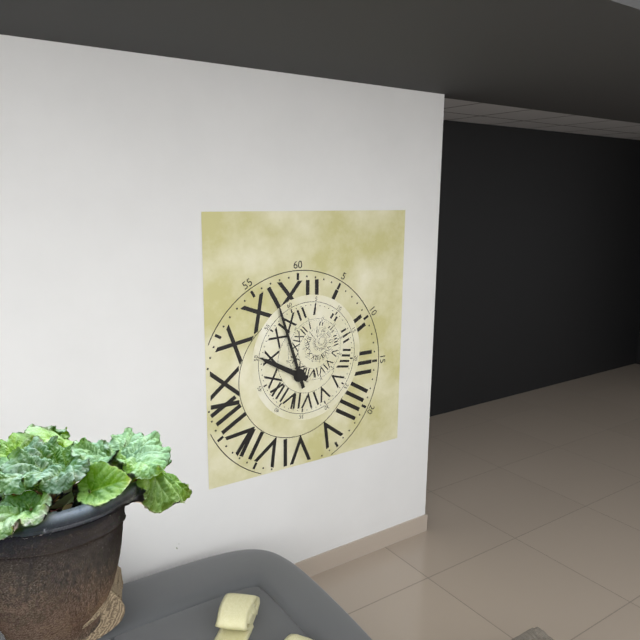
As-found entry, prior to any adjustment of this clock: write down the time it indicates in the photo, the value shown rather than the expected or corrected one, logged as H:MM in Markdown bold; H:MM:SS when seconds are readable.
**9:57**
